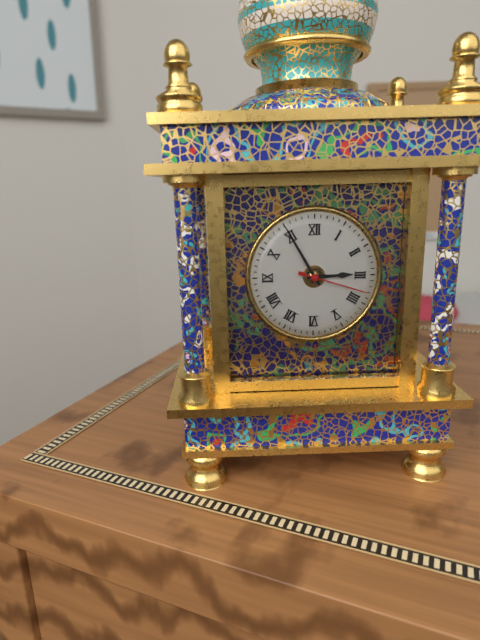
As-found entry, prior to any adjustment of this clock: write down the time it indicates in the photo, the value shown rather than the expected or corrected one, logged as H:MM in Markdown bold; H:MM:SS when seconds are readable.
**2:55:18**
